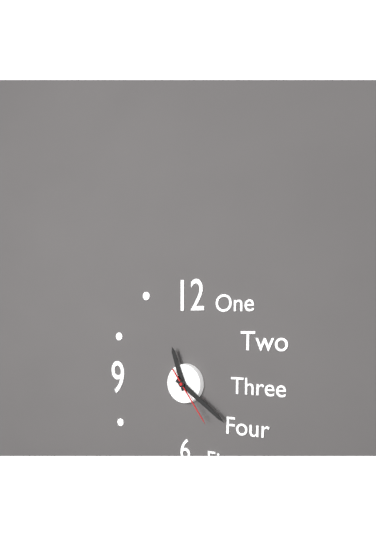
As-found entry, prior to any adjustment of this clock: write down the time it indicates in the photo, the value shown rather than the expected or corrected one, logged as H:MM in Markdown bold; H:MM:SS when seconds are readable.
**11:21:24**
